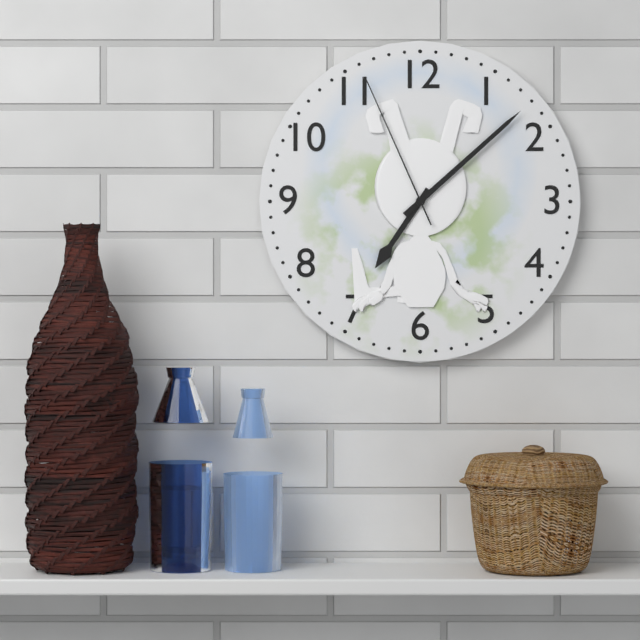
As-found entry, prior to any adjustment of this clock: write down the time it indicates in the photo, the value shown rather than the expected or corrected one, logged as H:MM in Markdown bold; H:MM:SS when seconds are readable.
**7:08:56**
